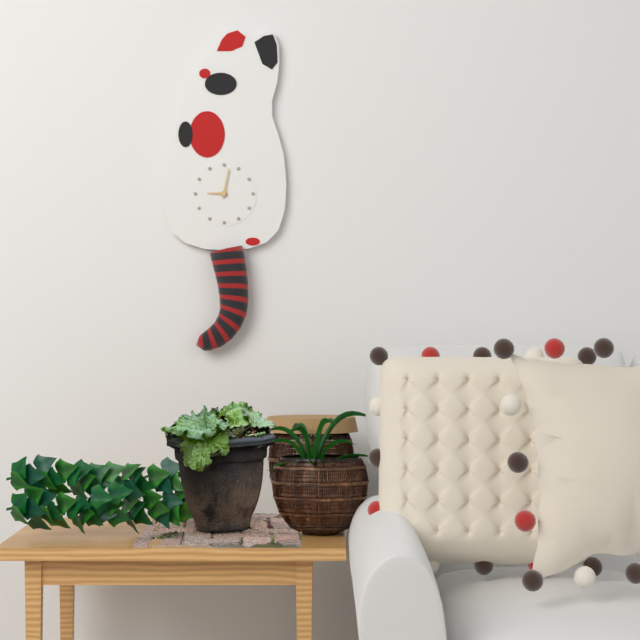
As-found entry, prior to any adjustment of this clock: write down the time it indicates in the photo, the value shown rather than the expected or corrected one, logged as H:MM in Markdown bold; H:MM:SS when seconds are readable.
**9:02**
